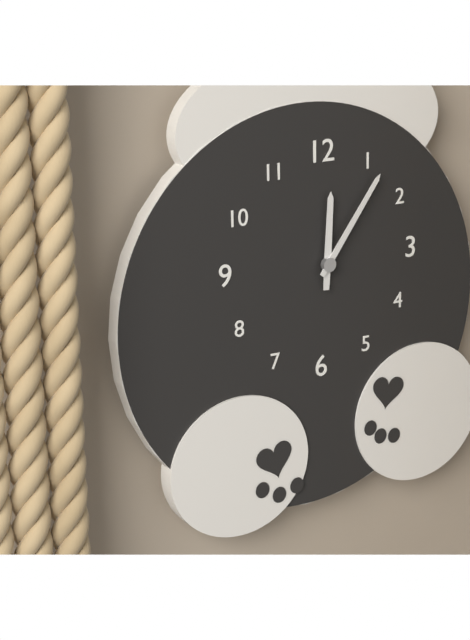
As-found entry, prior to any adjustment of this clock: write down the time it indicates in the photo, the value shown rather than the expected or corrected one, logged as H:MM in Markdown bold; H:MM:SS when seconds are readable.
**12:06**
